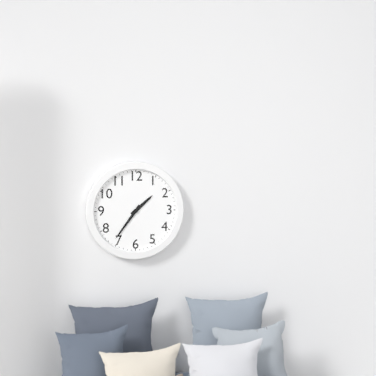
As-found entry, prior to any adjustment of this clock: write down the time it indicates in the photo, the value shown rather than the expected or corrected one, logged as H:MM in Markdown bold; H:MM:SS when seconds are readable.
**1:36**
